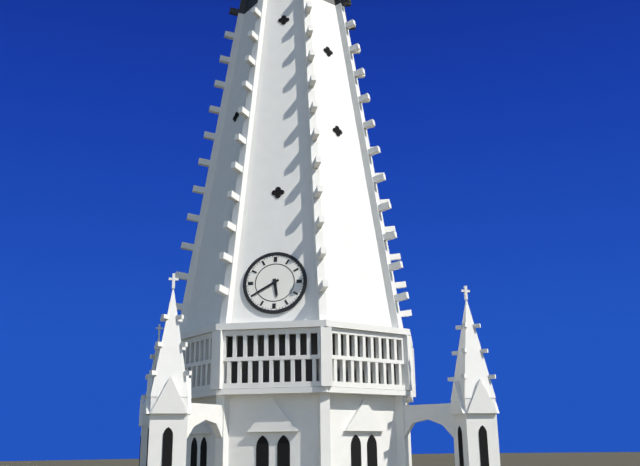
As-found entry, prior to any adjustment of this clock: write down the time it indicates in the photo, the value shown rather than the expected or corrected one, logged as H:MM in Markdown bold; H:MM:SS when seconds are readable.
**5:40**
